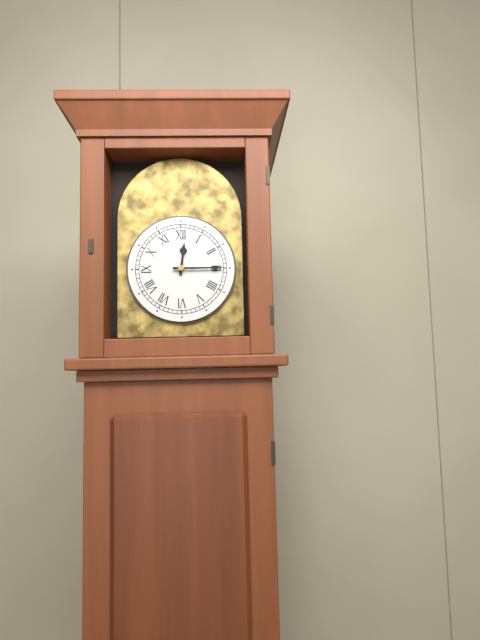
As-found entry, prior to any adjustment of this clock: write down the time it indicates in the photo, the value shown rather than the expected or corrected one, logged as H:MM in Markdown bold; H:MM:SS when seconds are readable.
**12:15**
